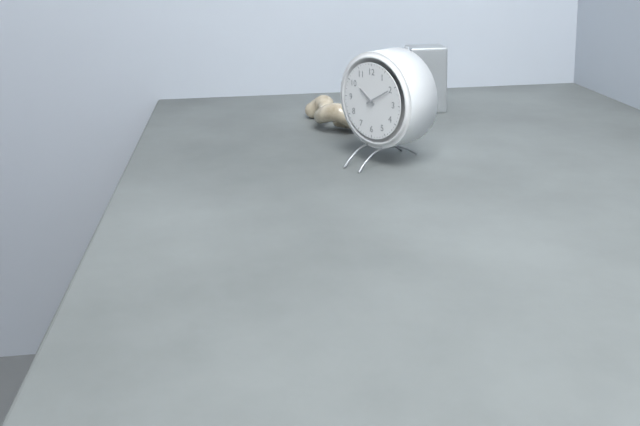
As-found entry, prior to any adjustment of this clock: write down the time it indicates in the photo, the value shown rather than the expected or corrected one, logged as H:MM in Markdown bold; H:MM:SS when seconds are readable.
**10:10**
